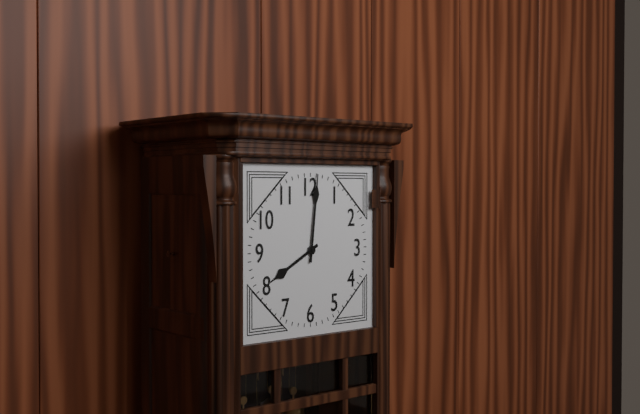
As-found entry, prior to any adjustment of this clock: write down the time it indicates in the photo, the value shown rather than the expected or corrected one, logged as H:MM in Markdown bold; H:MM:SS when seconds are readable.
**8:01**
